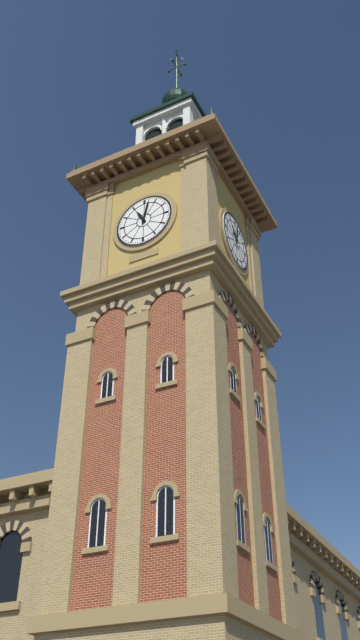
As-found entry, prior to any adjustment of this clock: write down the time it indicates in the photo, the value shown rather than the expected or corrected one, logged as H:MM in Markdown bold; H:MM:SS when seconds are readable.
**11:02**
